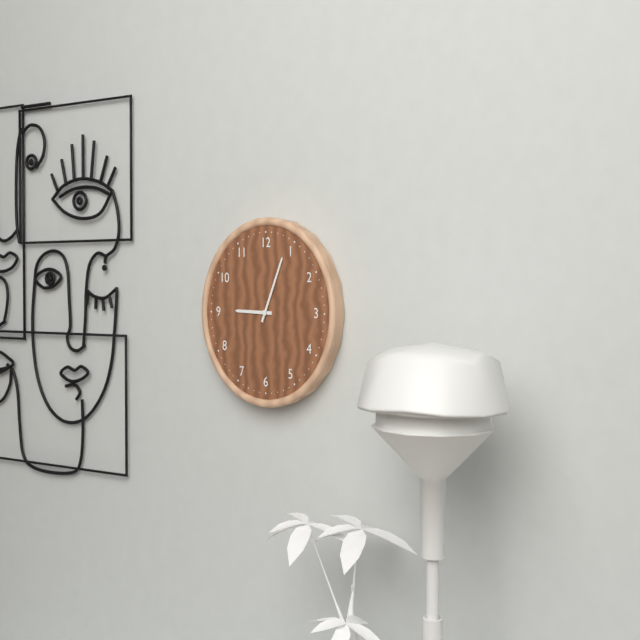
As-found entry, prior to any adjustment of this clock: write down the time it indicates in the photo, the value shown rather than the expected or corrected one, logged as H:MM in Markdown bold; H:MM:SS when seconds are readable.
**9:04**
